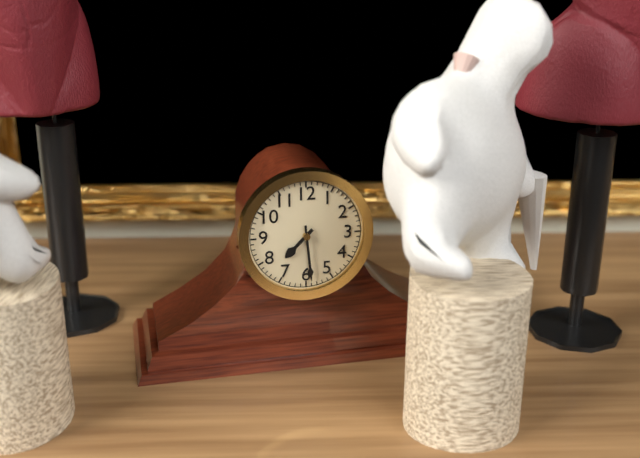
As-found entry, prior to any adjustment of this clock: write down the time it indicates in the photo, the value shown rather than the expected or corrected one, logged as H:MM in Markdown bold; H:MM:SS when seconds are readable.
**7:29**
